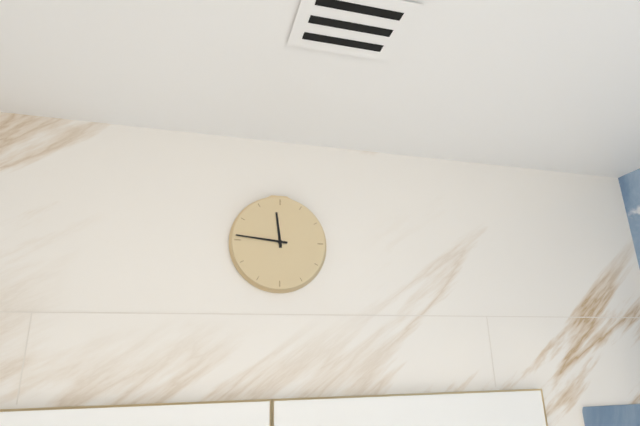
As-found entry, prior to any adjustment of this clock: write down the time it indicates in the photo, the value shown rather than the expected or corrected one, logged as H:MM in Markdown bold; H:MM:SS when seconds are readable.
**11:46**
